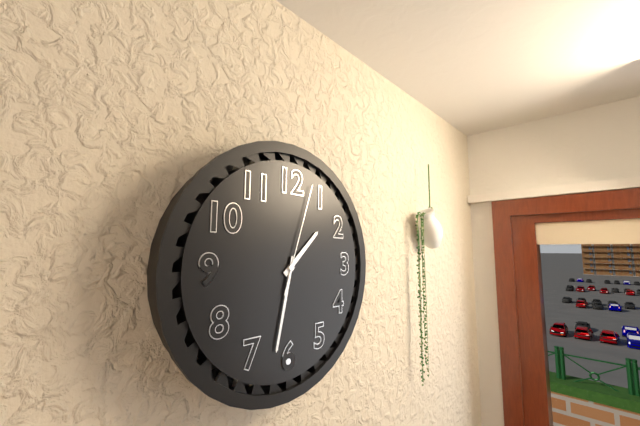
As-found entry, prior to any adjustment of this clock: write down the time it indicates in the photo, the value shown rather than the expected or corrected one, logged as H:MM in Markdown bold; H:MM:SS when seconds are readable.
**1:32:03**
